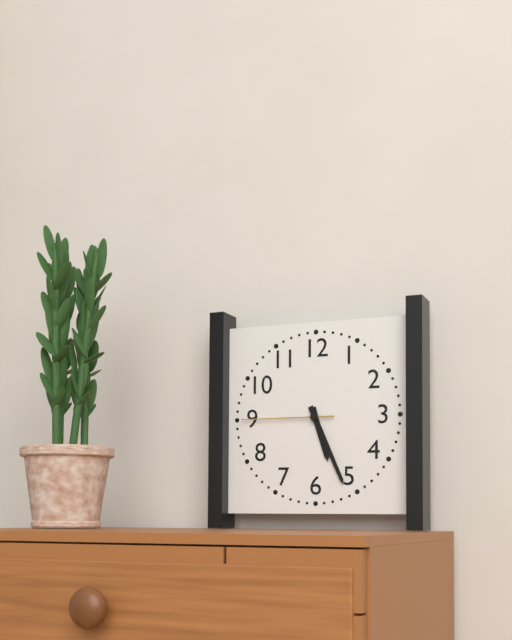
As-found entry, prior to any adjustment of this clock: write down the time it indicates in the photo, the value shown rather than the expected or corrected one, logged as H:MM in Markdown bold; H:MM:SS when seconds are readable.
**5:26:45**
